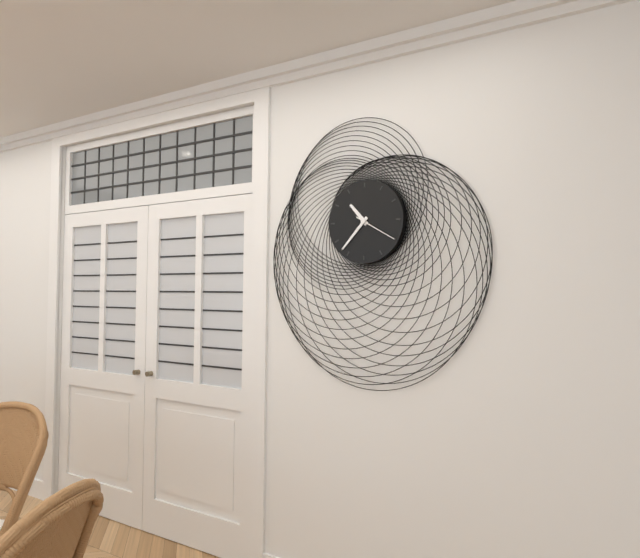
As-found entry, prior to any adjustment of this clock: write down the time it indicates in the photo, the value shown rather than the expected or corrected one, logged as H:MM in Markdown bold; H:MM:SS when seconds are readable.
**10:37**
